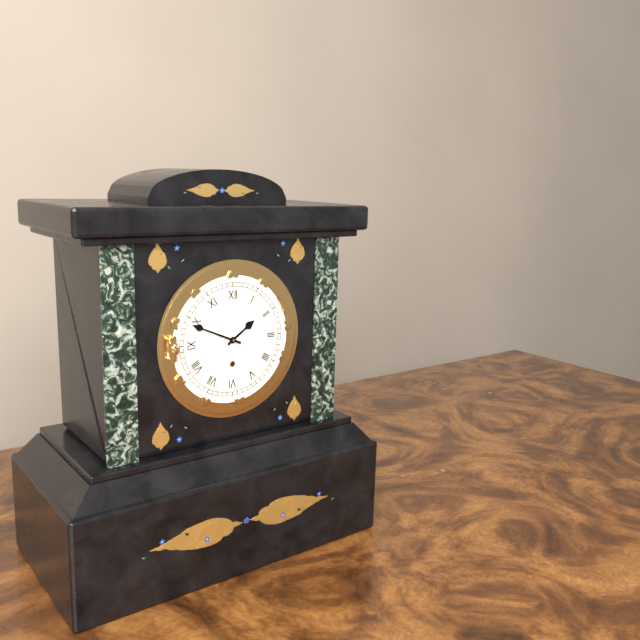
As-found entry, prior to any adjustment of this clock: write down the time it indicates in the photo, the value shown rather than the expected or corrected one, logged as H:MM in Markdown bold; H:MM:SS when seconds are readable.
**1:49**
